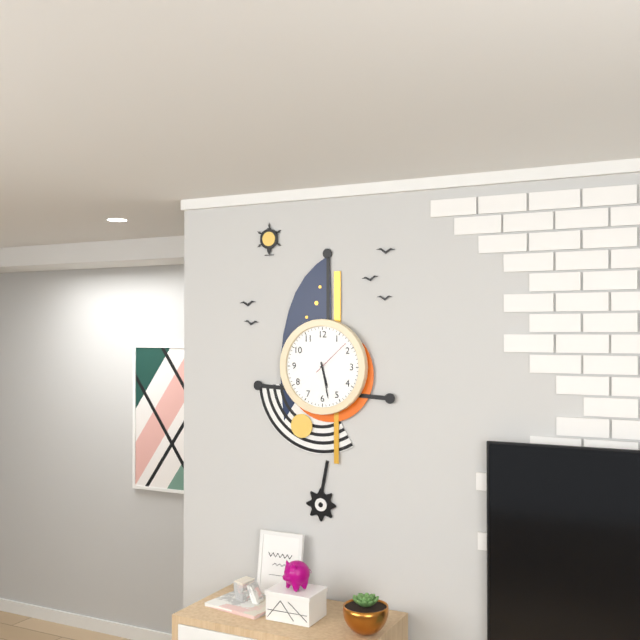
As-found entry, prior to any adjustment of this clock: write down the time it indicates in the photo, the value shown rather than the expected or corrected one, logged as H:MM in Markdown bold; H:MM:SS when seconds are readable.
**5:28**
